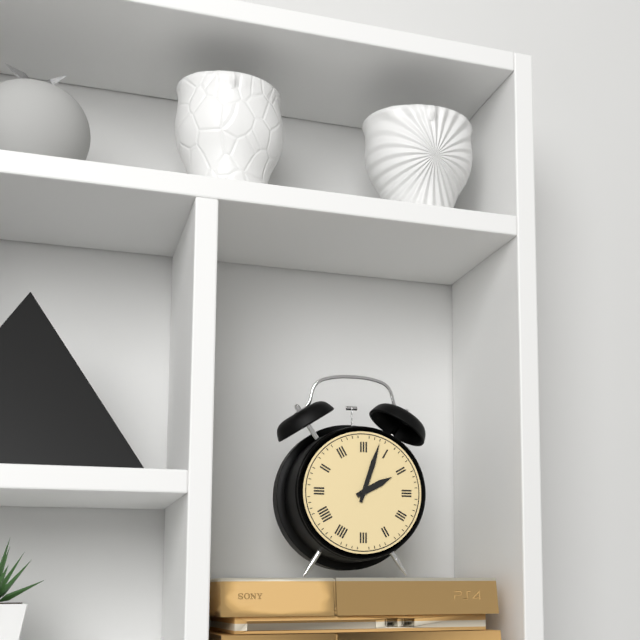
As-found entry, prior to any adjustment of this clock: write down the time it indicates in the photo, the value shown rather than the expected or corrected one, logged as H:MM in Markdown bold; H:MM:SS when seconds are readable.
**2:03**
